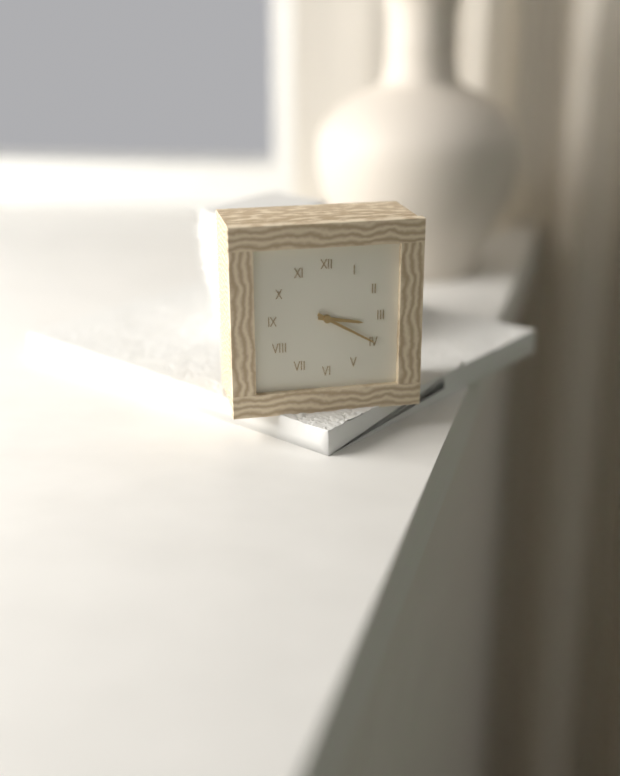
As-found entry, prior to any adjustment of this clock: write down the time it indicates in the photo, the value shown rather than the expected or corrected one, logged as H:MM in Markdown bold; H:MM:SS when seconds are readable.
**3:20**
